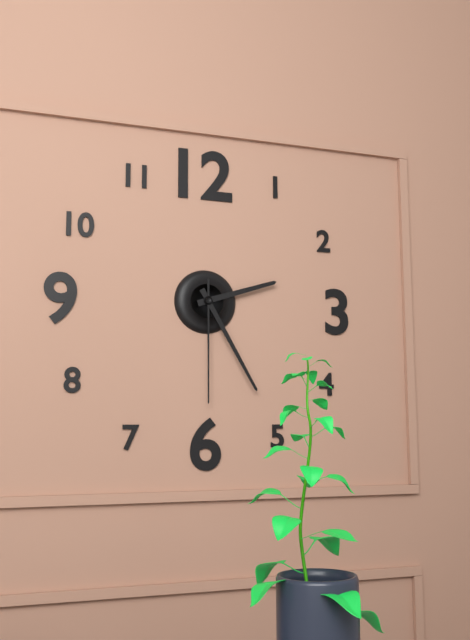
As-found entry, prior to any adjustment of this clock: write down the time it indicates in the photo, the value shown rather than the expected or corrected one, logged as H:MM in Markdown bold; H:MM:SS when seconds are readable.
**2:25:30**
